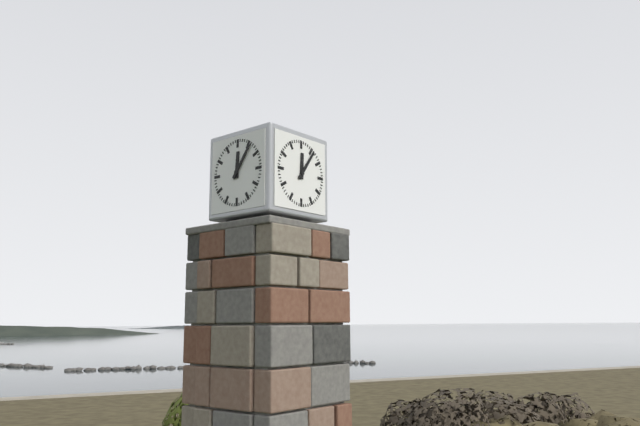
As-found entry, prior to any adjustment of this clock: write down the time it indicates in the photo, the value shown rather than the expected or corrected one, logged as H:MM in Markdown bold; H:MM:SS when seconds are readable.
**12:06**
